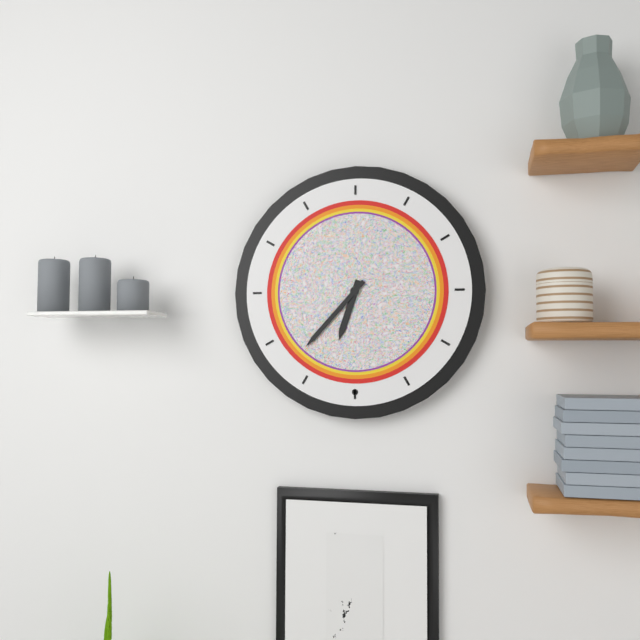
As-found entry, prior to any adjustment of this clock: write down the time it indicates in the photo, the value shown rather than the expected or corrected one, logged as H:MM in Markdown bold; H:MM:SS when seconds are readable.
**6:37**
